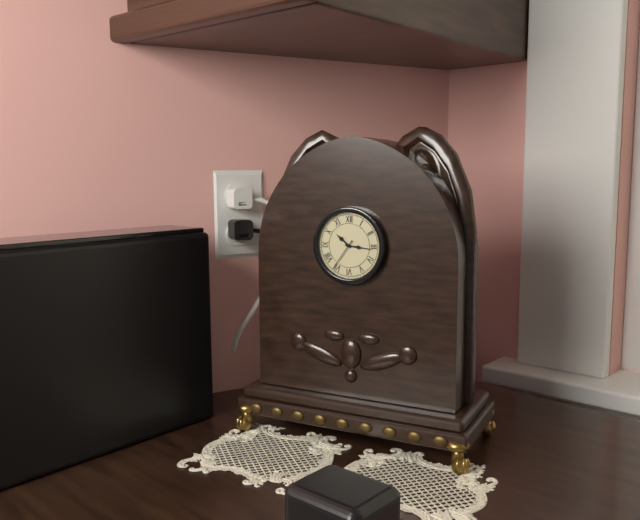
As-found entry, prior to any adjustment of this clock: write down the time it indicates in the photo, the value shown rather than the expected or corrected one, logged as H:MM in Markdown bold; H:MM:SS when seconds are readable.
**10:16**
